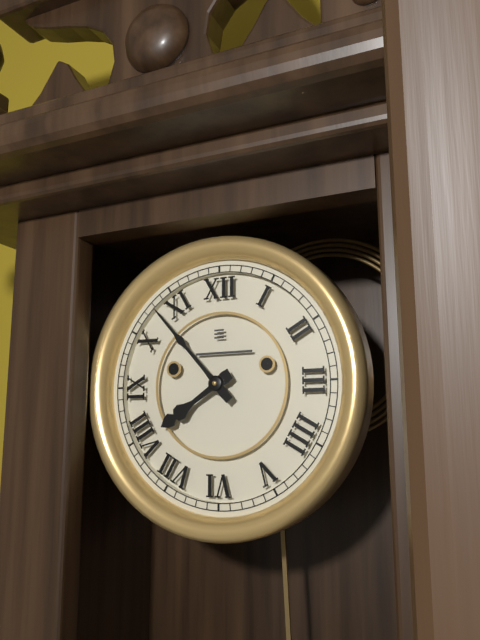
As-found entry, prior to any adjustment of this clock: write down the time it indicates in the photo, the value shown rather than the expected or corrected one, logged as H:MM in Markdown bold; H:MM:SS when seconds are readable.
**7:53**
